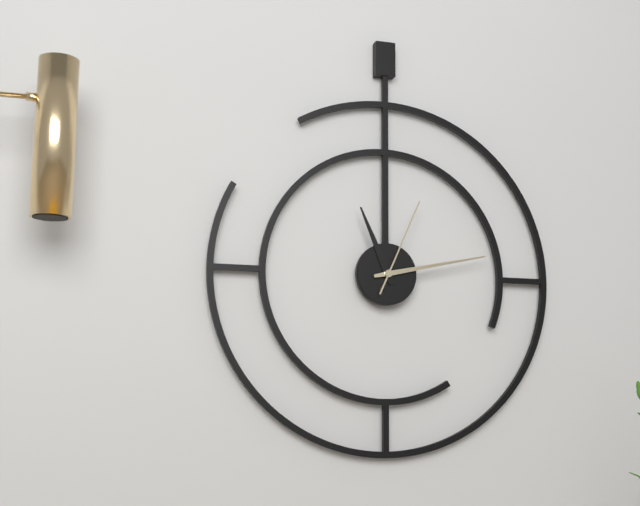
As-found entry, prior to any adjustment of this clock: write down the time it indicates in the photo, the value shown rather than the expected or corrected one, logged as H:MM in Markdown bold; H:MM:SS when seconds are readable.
**11:13:04**
